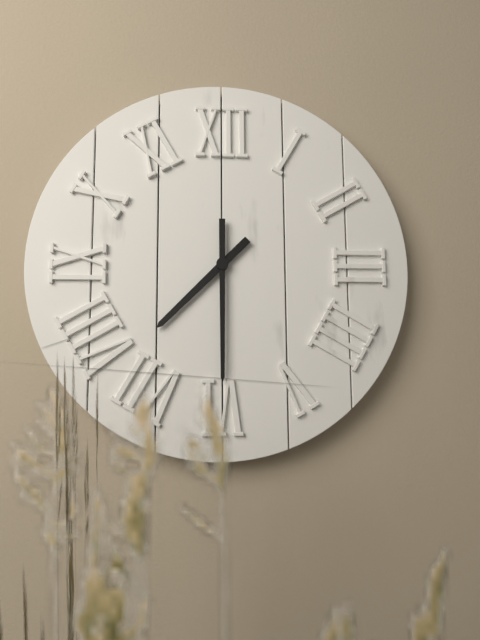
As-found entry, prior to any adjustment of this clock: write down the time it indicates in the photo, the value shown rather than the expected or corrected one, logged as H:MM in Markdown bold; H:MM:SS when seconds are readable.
**7:30**
